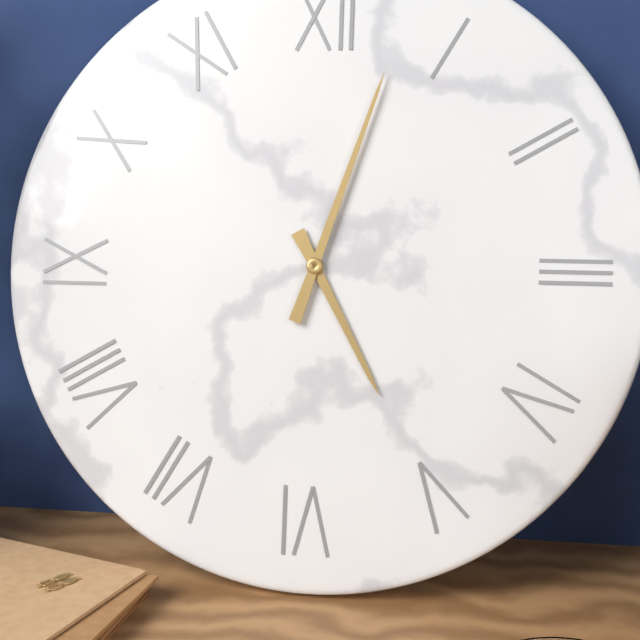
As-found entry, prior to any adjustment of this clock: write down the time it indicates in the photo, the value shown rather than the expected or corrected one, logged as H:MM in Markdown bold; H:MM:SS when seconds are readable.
**5:03**
